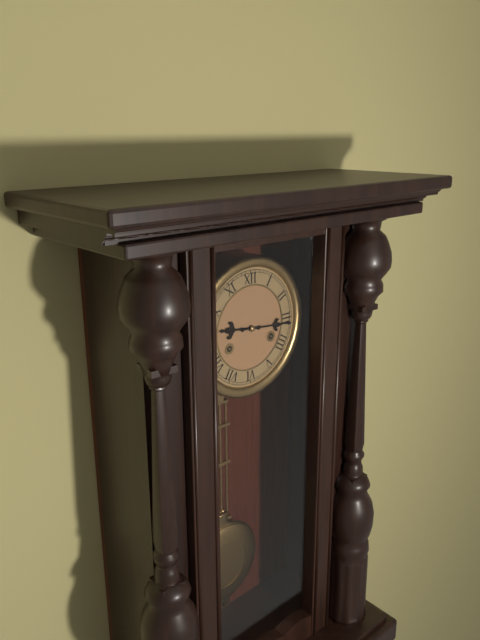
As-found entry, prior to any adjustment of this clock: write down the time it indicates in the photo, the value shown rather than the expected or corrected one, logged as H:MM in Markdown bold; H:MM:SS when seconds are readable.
**9:16**
